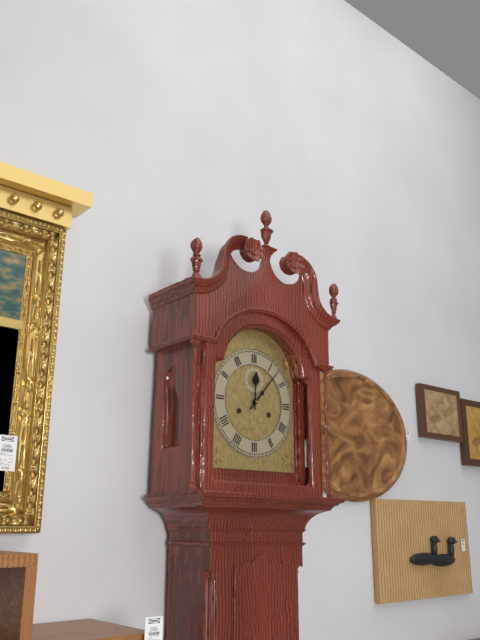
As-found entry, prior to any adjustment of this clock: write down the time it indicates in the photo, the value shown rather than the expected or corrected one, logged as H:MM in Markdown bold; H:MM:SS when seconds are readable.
**12:07**
